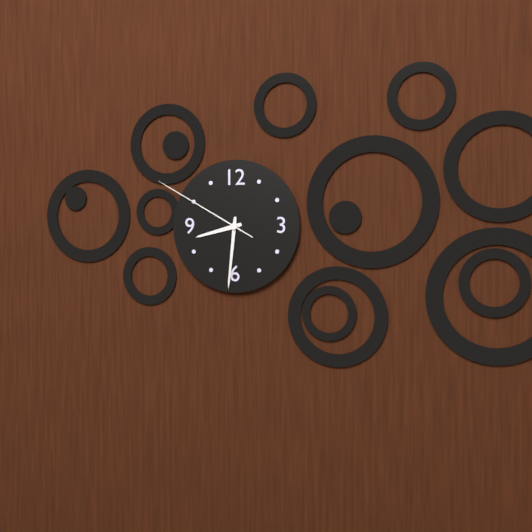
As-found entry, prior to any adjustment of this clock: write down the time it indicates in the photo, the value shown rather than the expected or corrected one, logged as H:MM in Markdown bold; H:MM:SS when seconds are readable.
**8:31:50**
